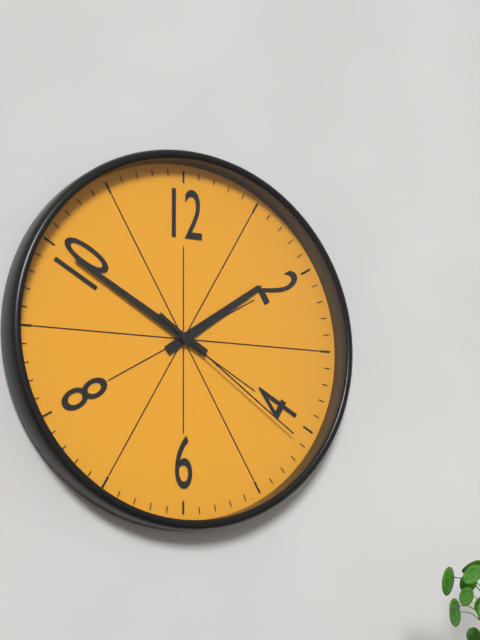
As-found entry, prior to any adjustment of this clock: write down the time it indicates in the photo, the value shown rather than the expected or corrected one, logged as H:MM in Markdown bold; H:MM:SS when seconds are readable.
**1:50:21**
